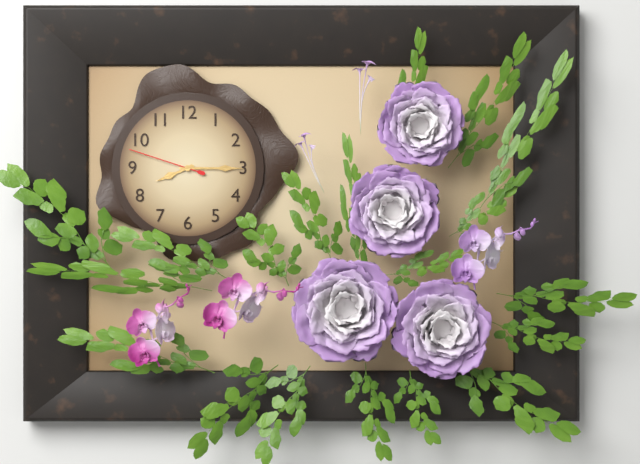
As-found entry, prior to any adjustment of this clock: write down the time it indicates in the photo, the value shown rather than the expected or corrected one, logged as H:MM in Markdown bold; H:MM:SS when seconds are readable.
**8:15:48**
